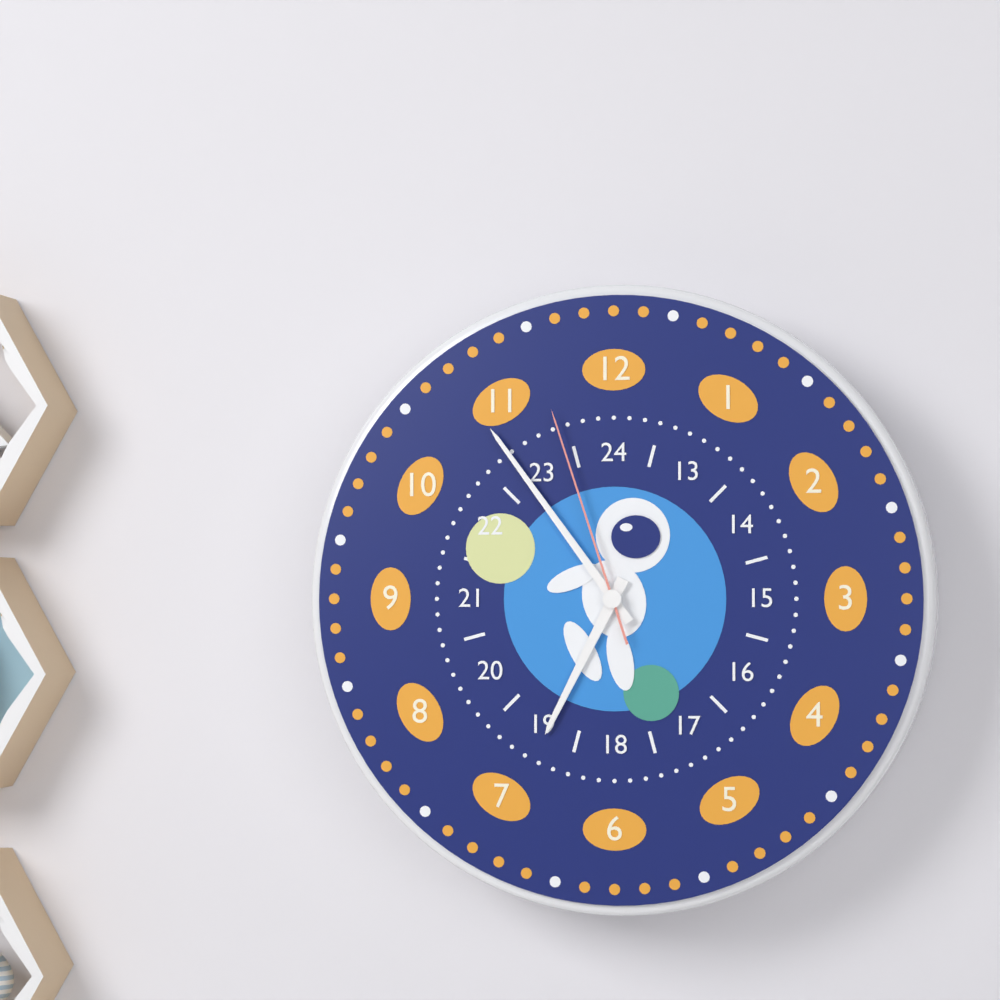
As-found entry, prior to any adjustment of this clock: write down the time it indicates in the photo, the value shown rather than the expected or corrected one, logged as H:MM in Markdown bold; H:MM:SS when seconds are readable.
**6:54:57**
